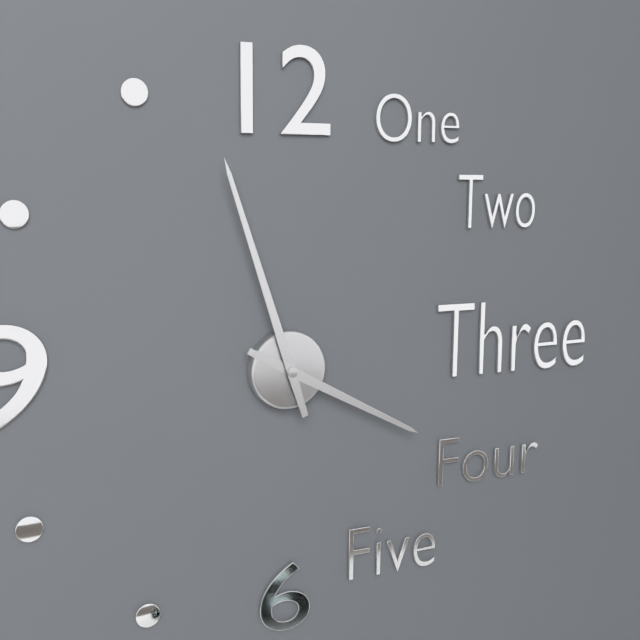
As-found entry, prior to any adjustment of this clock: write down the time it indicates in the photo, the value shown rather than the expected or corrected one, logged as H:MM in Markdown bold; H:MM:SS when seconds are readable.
**3:57**
